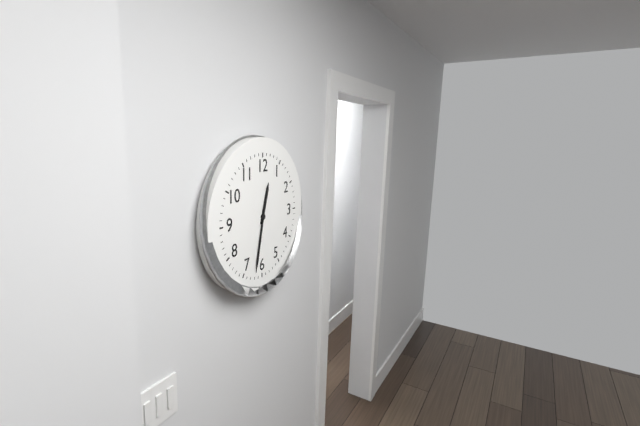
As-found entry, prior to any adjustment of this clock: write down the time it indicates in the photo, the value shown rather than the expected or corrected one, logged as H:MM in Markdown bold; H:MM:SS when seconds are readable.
**12:32**
